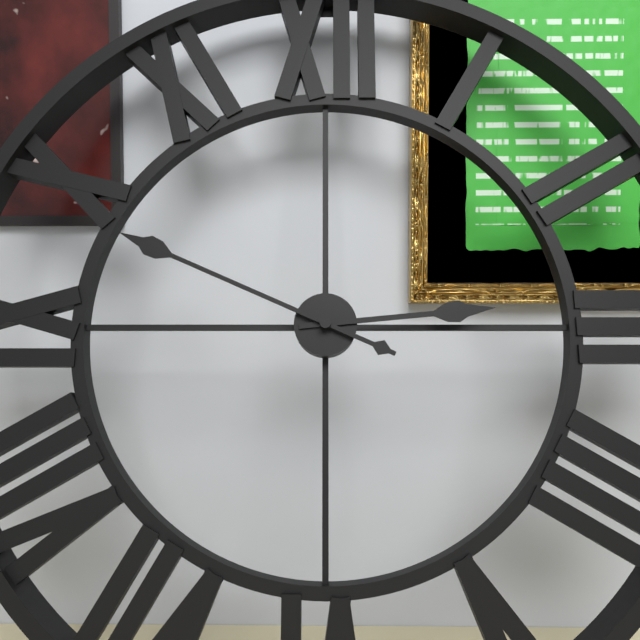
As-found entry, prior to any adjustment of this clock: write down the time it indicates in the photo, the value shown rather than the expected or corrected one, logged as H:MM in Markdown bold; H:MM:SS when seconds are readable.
**2:49**
